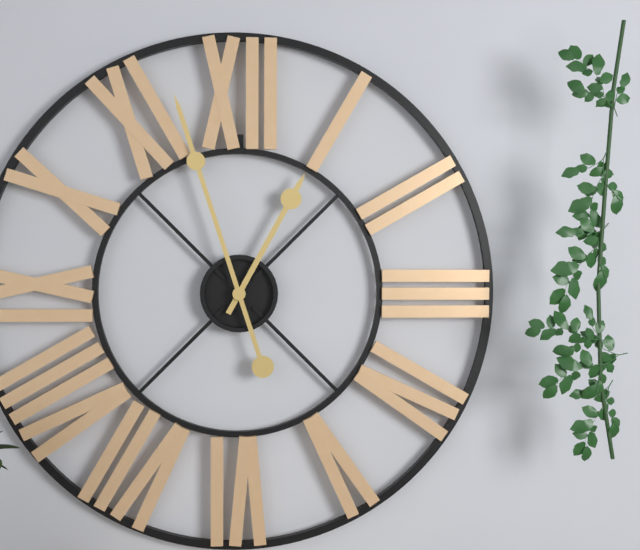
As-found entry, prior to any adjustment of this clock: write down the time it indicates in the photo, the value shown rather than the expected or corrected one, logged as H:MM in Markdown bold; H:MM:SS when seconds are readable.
**12:57**
